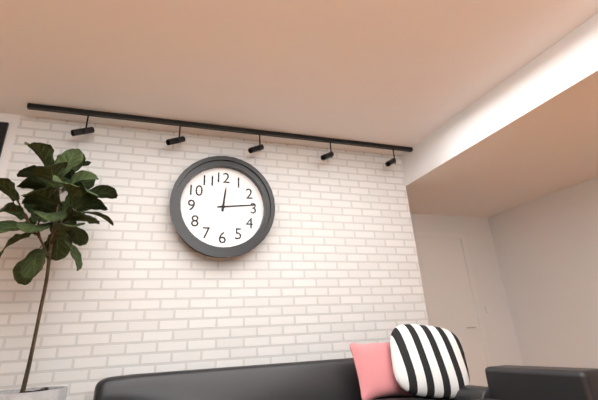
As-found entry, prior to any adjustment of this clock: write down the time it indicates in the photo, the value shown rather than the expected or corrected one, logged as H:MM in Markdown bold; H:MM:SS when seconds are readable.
**12:14**
